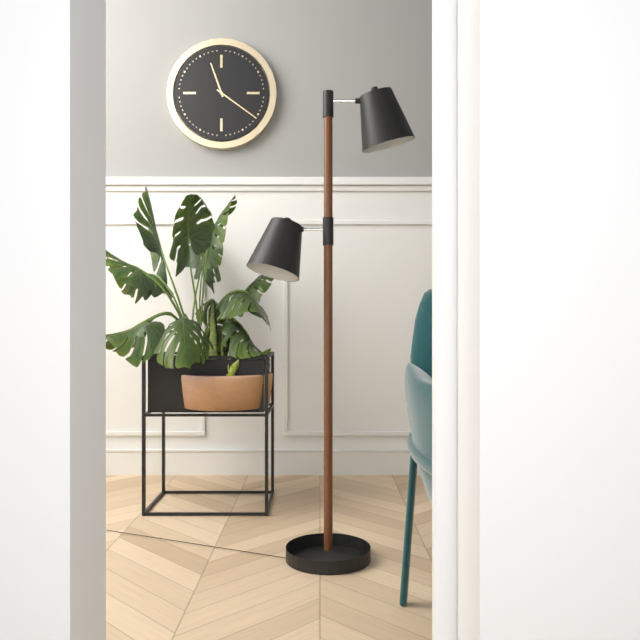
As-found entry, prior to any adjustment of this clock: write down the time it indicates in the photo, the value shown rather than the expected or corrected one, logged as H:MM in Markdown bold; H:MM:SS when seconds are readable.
**11:21**
